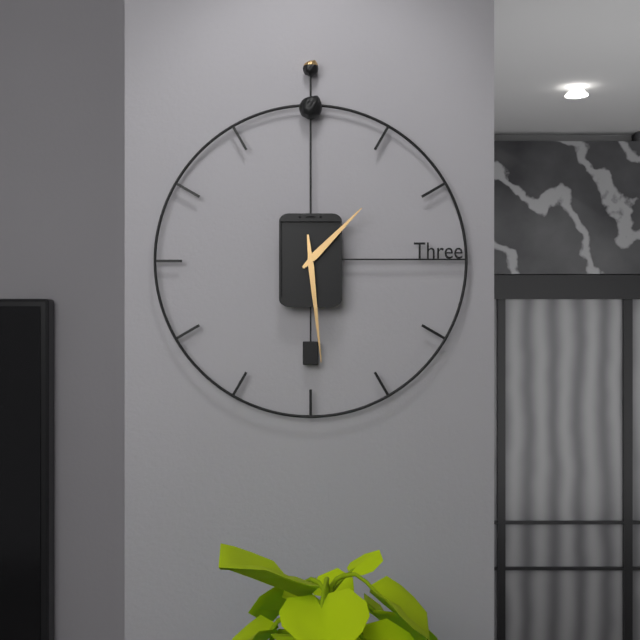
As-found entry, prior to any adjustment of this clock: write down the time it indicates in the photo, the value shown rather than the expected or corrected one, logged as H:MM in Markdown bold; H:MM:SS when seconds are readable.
**1:29**
